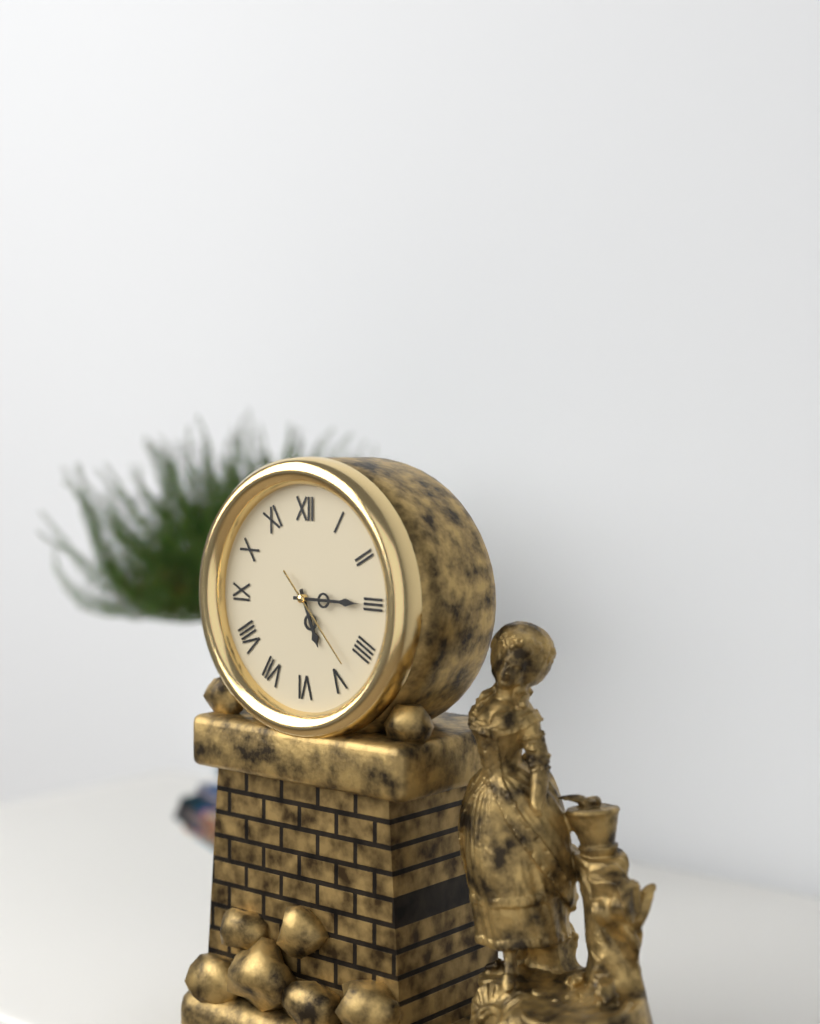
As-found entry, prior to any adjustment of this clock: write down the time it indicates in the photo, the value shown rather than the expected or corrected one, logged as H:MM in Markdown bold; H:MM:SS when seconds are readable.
**5:15:23**
